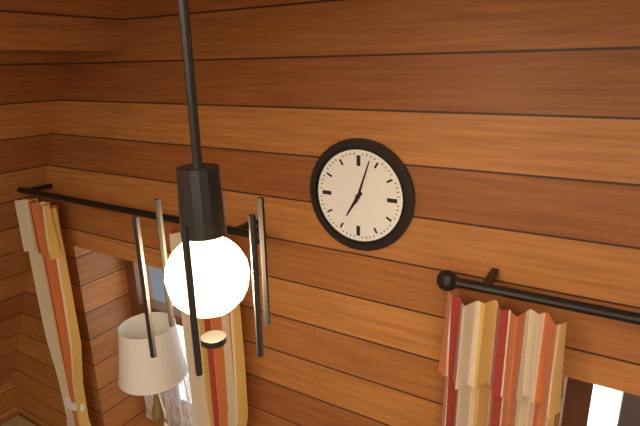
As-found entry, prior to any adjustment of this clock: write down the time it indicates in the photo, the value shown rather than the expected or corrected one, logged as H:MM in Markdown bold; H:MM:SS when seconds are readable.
**7:03**
